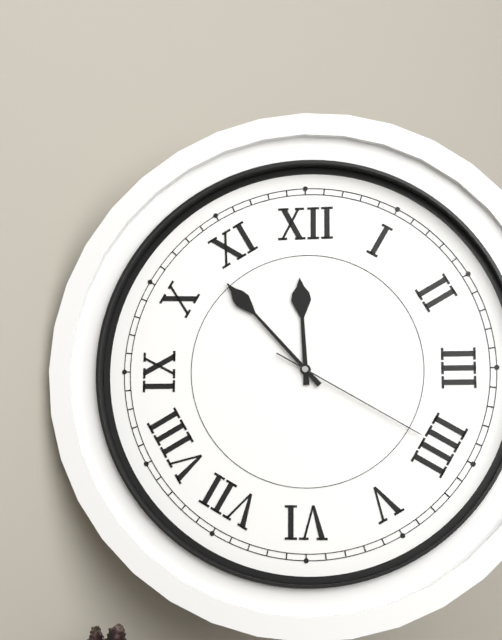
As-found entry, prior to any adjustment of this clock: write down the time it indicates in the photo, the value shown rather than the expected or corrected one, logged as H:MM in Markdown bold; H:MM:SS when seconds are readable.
**11:53:20**
